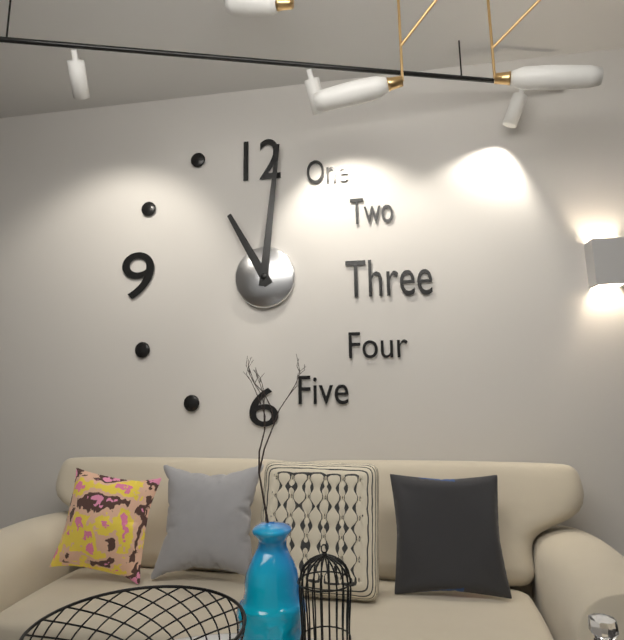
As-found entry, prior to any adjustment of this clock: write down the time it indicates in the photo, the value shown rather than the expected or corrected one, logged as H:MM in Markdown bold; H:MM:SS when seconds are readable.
**11:01**
